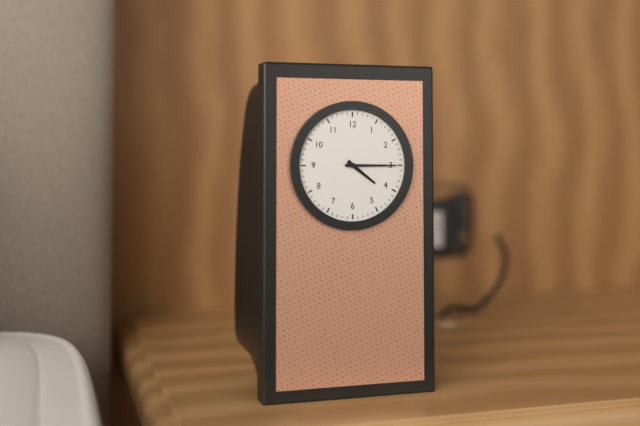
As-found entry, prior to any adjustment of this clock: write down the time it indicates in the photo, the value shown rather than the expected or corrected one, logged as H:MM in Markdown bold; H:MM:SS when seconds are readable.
**4:15**
